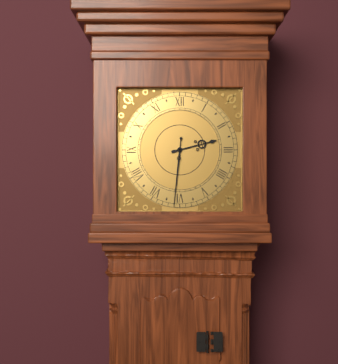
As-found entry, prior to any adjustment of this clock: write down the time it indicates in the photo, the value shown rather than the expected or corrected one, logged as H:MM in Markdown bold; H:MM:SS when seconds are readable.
**2:31**
